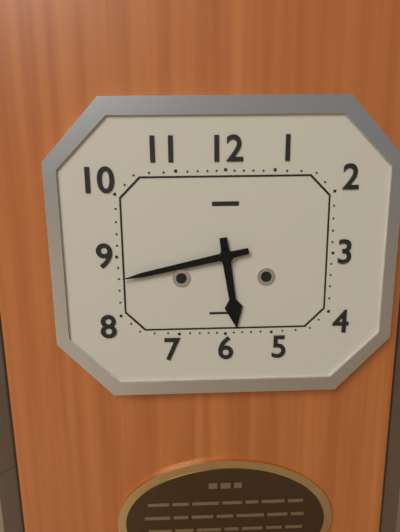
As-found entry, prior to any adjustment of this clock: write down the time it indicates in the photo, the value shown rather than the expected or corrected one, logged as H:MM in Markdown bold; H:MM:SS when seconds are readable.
**5:43**
